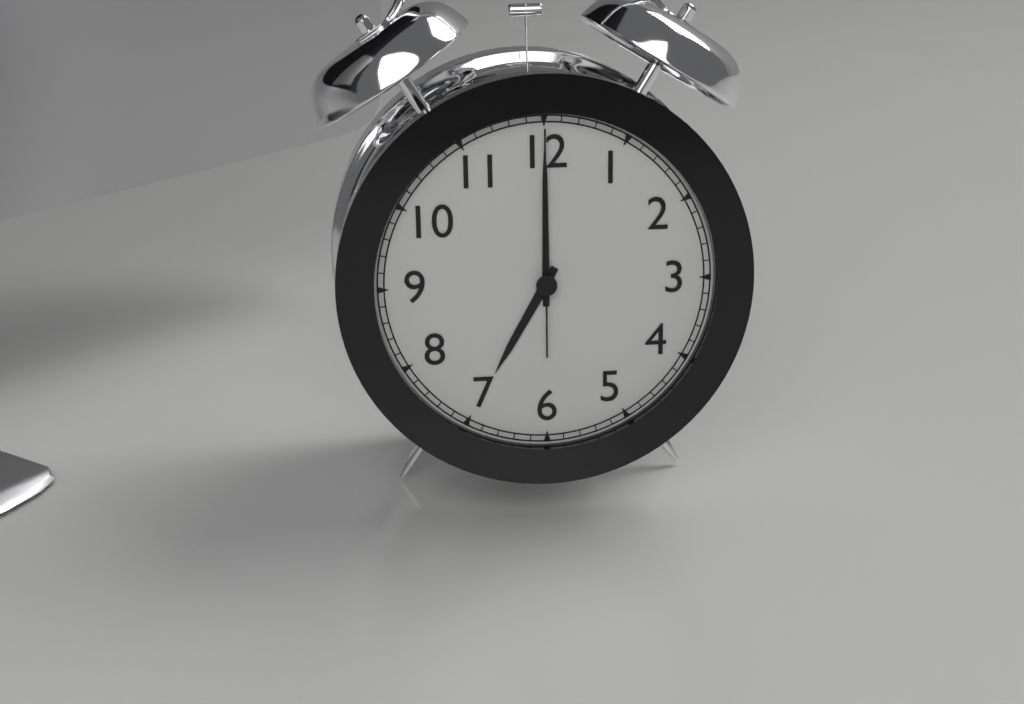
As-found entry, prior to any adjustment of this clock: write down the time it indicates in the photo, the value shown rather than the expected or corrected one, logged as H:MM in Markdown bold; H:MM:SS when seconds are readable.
**7:00:00**
